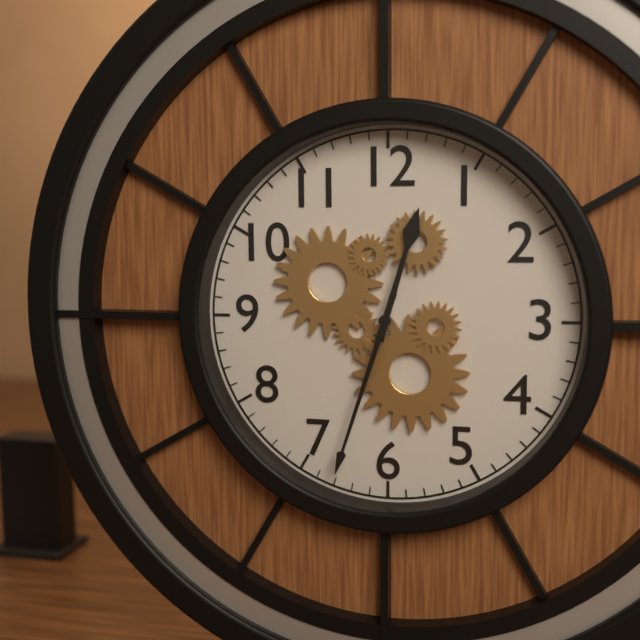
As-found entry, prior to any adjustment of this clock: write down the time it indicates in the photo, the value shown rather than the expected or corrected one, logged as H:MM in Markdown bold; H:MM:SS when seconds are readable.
**12:33**
